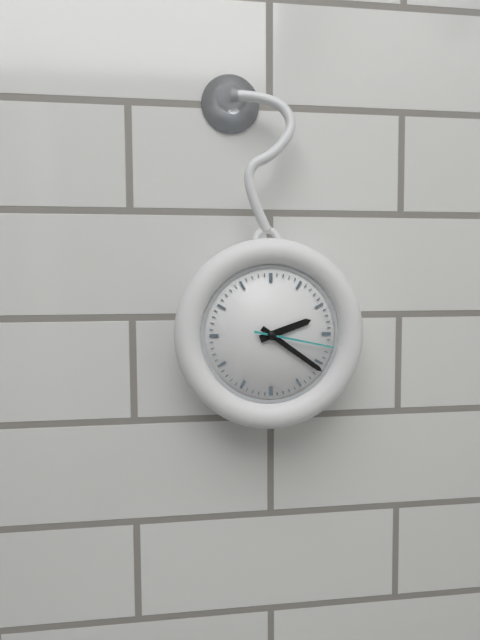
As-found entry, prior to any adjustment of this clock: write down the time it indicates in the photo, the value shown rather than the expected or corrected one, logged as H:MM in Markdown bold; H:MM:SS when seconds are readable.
**2:21:17**
